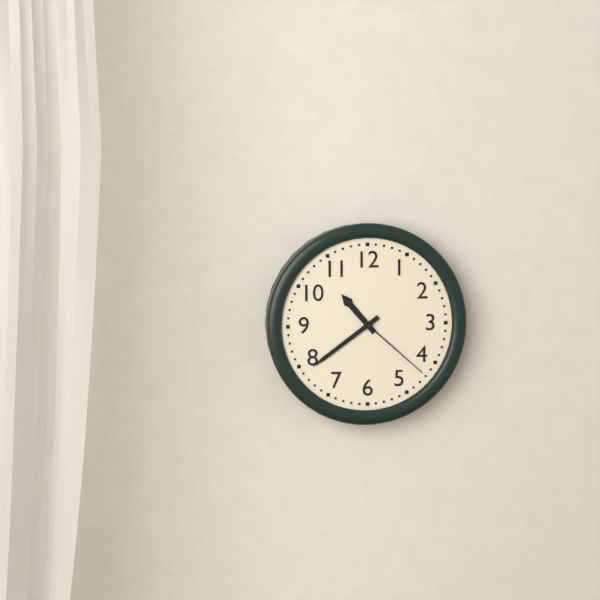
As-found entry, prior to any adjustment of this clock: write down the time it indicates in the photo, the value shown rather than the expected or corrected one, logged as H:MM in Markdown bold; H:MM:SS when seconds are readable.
**10:39:22**
